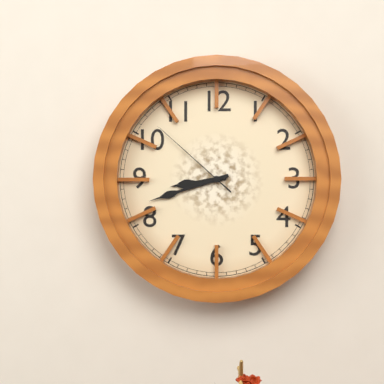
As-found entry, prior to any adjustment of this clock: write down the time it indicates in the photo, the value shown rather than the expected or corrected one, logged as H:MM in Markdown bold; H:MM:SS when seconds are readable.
**8:42:52**
